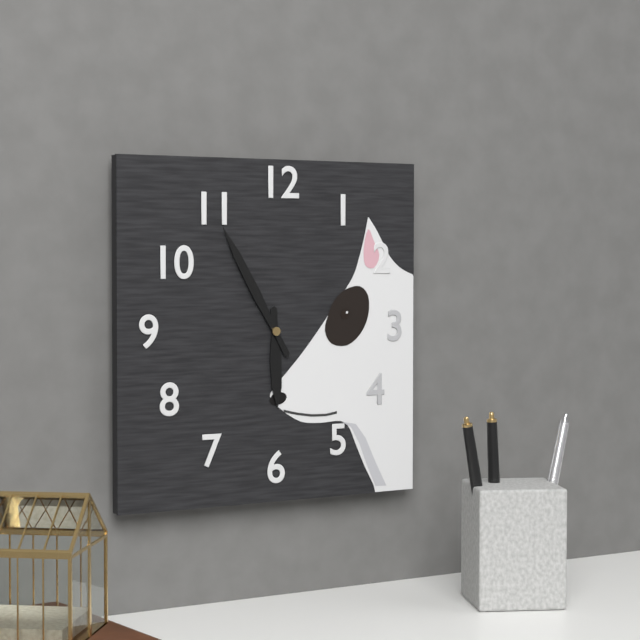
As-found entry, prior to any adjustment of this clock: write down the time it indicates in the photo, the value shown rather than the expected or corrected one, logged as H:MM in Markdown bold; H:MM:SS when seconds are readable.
**5:55**
